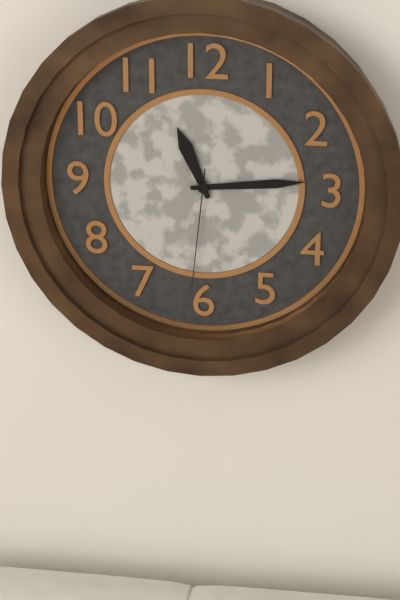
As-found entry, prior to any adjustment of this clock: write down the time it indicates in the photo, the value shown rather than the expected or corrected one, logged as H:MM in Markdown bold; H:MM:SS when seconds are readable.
**11:14:31**
